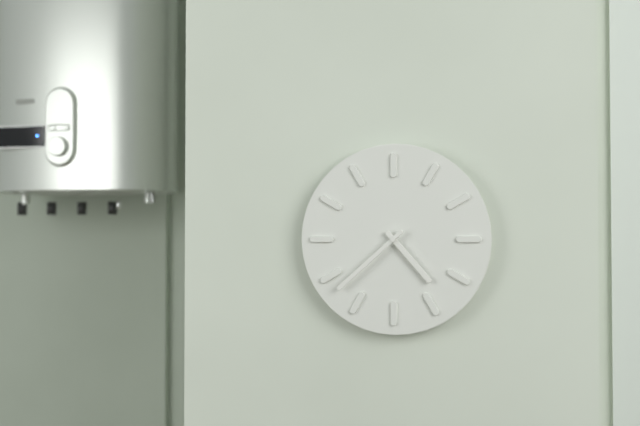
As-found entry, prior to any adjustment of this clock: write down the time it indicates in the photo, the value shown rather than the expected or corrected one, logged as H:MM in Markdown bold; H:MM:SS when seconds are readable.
**4:38**
